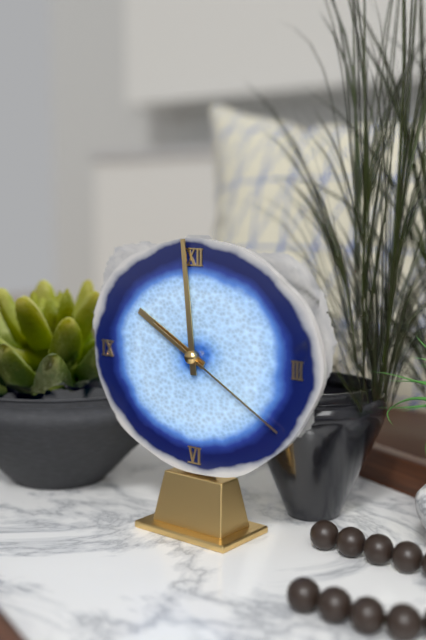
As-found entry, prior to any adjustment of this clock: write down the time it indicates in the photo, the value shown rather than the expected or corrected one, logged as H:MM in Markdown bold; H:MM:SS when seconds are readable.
**9:59:20**
